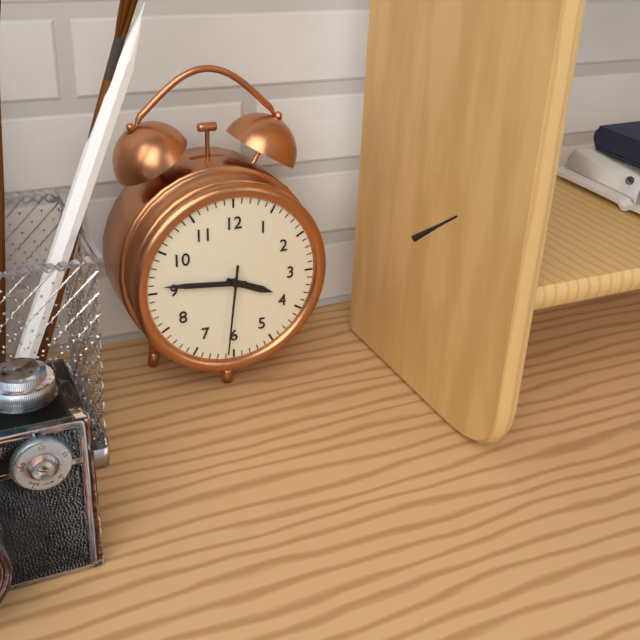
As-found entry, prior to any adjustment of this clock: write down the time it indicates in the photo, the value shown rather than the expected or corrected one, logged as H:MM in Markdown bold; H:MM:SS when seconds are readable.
**3:46:31**
